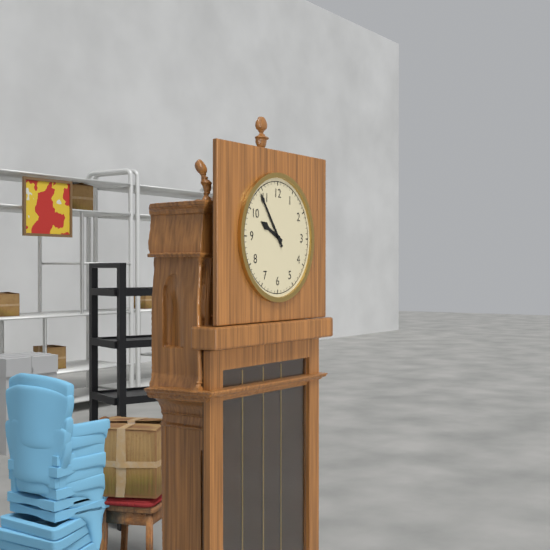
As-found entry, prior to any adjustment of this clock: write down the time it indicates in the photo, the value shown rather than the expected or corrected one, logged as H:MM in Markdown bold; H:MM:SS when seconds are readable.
**9:54**
